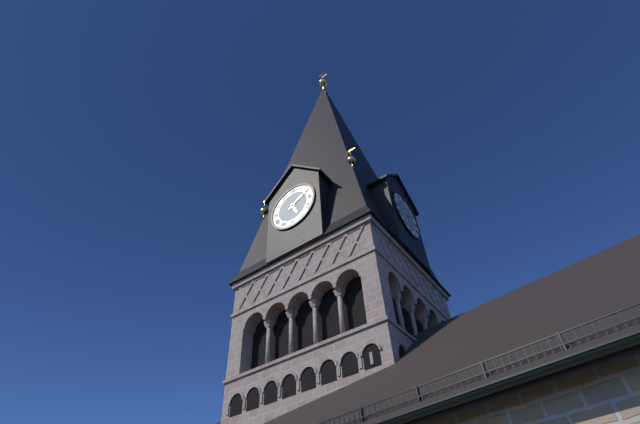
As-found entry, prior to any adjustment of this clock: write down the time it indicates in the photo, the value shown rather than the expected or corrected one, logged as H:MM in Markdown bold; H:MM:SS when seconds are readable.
**5:10**
